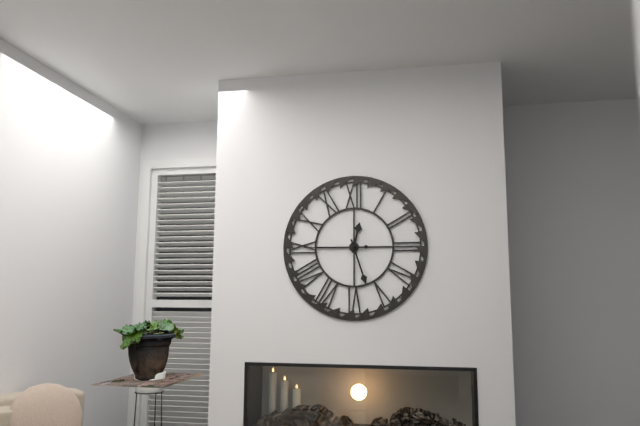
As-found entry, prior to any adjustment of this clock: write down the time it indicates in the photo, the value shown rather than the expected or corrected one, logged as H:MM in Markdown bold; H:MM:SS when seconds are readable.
**12:27:45**
